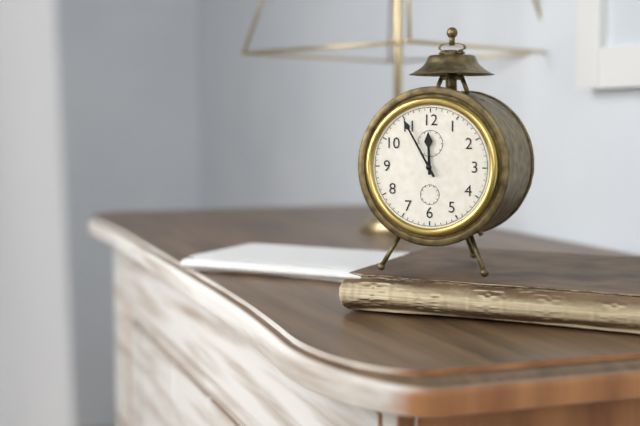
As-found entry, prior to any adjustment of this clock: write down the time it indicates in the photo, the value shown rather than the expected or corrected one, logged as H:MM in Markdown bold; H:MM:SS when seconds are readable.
**11:55**
